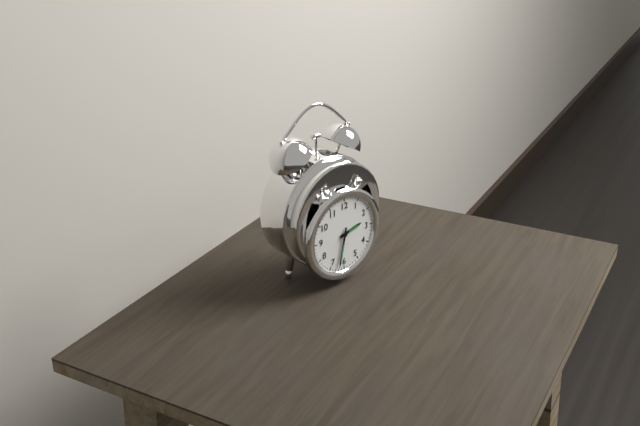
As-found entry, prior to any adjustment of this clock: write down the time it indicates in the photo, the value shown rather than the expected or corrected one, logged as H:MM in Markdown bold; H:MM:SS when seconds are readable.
**2:32**
